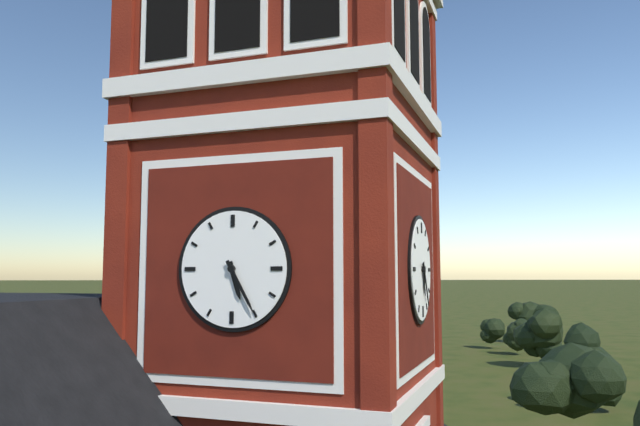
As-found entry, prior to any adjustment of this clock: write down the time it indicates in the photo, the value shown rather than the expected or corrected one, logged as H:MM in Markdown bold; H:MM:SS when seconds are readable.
**5:25**
